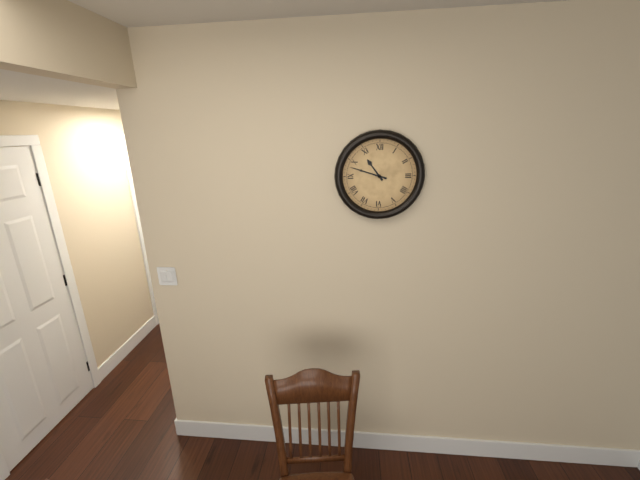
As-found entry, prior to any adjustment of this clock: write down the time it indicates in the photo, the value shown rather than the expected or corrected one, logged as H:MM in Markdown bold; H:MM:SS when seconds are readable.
**10:48**
